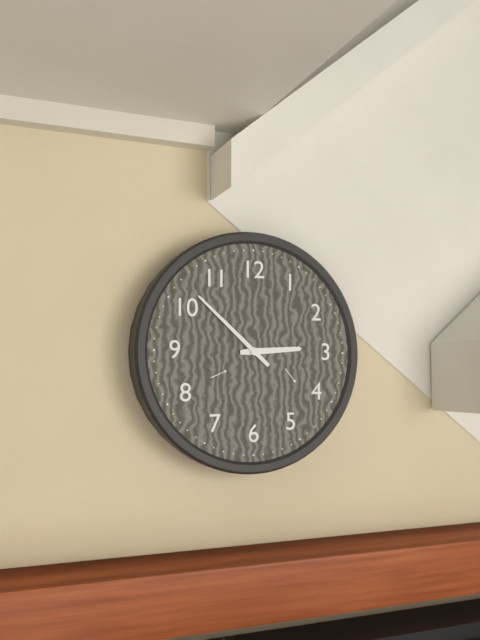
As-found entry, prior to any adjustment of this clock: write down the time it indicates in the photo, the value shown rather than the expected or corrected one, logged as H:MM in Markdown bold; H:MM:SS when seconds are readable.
**2:52**
